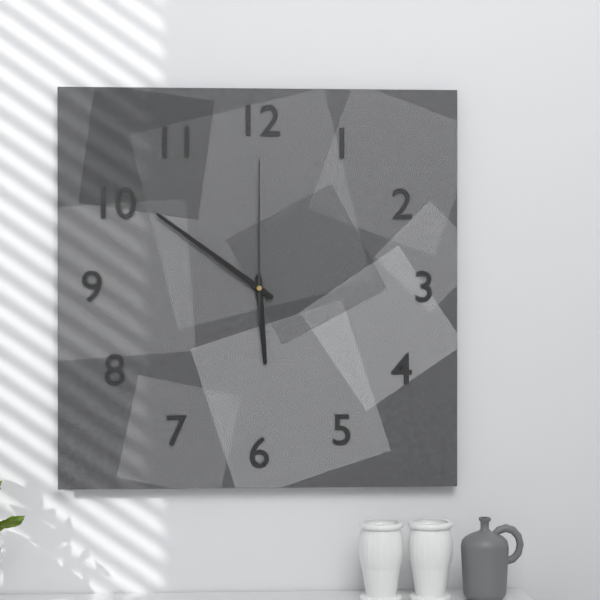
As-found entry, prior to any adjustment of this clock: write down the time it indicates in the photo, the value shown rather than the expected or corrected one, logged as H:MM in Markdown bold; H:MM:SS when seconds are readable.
**5:51:00**
